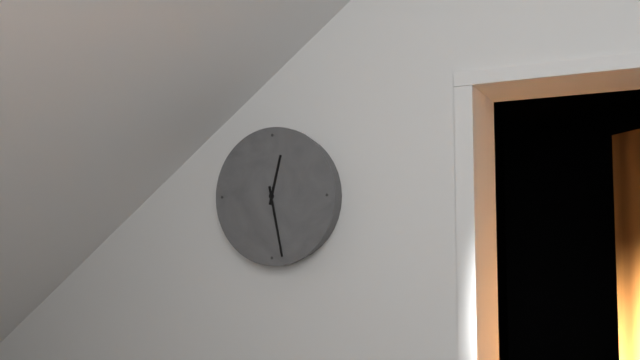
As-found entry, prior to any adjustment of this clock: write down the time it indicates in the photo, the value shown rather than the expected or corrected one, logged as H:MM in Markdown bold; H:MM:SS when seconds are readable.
**12:28**
